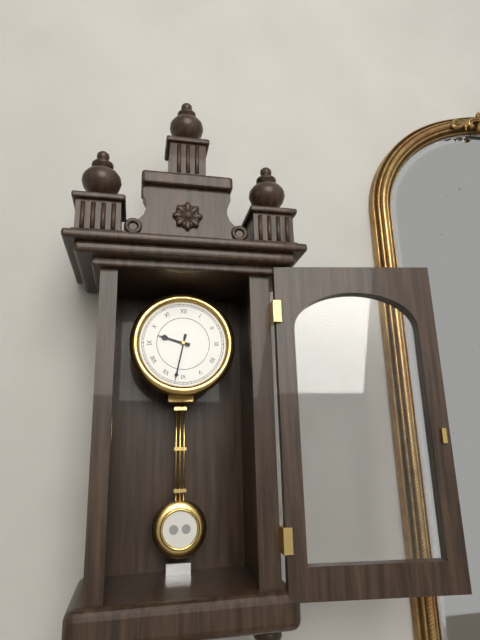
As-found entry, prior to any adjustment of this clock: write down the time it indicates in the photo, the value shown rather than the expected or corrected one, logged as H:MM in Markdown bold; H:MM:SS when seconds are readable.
**9:32**
